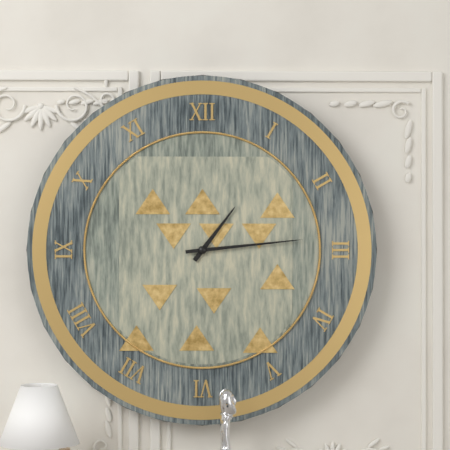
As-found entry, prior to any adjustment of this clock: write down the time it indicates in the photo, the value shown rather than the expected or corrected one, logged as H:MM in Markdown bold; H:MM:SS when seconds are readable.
**1:14**
